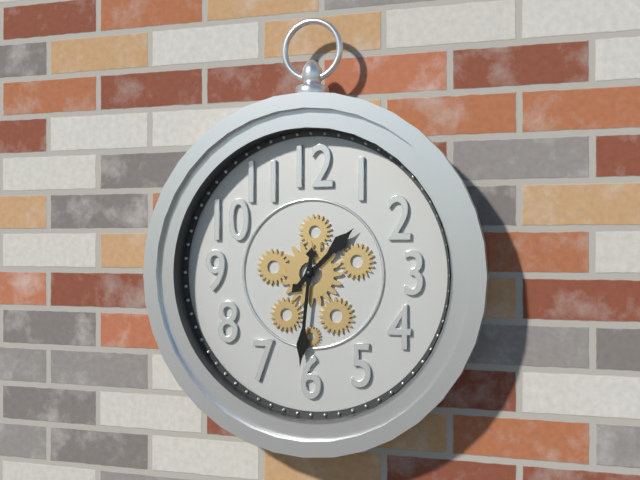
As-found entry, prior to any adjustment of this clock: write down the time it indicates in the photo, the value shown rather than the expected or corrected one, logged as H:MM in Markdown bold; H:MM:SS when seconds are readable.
**1:31**
